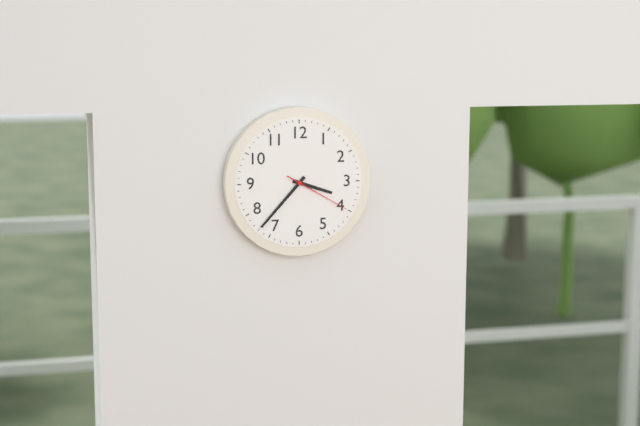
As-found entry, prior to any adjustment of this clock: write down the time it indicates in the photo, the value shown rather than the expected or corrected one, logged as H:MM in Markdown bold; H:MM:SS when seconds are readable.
**3:37:20**
